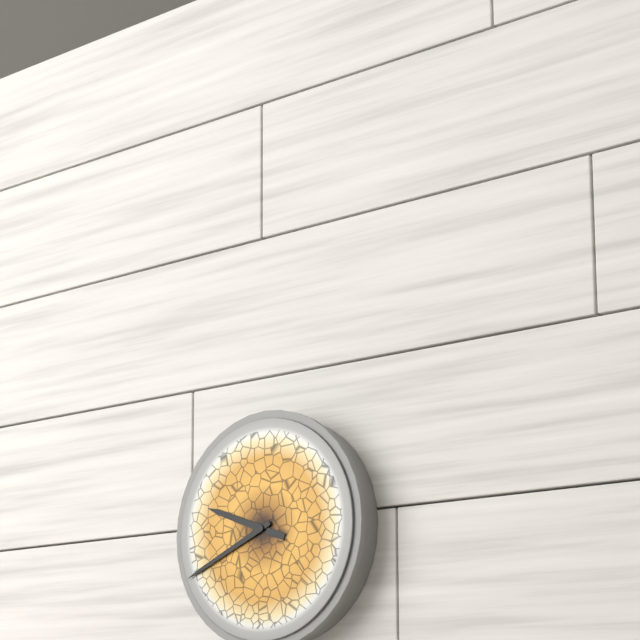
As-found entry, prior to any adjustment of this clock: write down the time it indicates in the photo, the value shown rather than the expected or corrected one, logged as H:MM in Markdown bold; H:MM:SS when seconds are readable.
**9:41**
